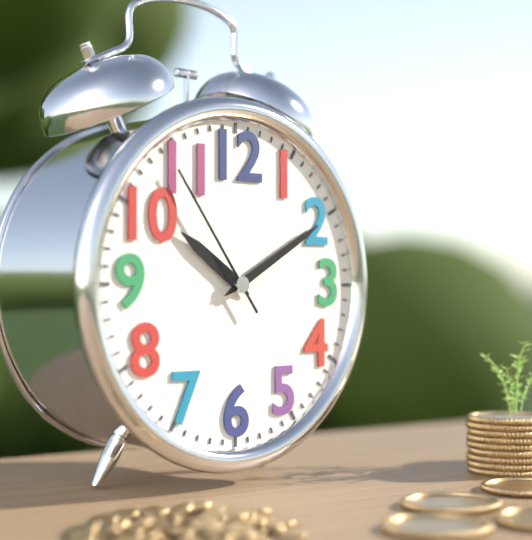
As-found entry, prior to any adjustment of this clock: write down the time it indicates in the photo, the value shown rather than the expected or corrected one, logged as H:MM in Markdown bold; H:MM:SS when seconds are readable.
**10:10:54**
